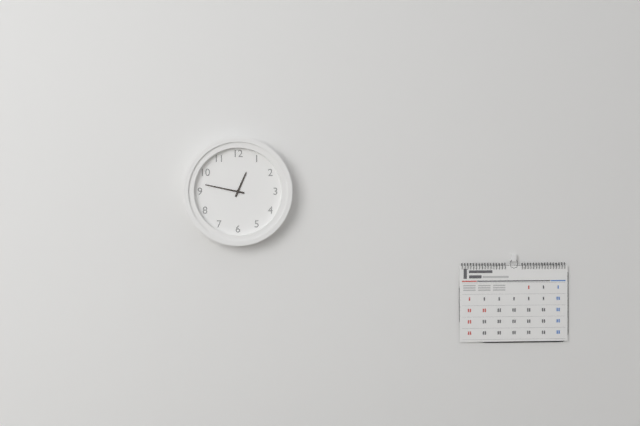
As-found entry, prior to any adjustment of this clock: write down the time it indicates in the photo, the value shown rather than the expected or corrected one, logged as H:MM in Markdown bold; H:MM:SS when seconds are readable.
**12:47**
